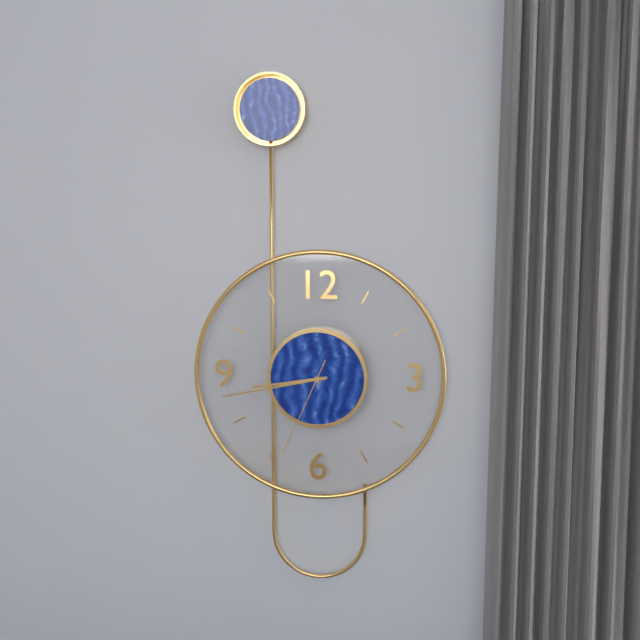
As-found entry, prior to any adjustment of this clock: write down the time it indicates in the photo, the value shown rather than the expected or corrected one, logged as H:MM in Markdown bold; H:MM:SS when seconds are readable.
**8:43:34**
